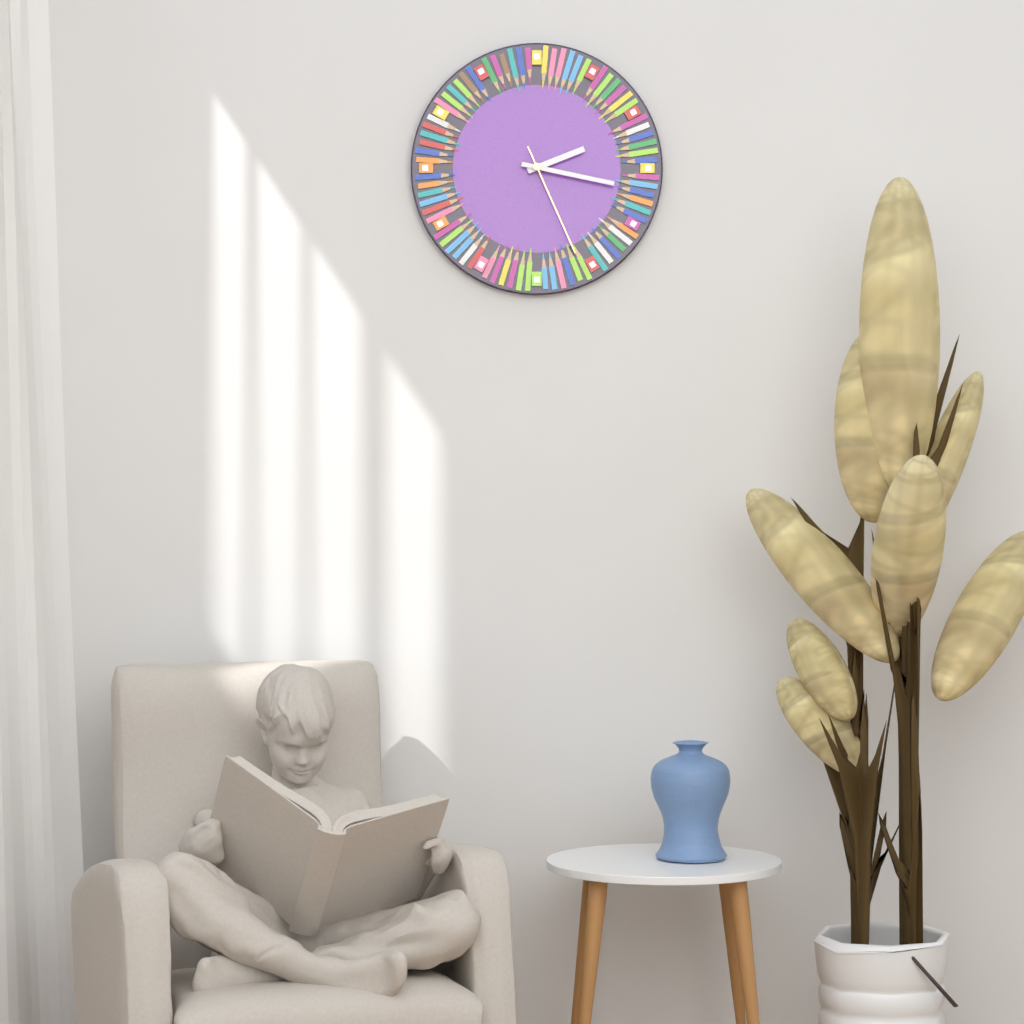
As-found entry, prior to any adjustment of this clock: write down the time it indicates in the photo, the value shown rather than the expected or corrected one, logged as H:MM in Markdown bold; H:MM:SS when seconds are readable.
**2:17:26**
